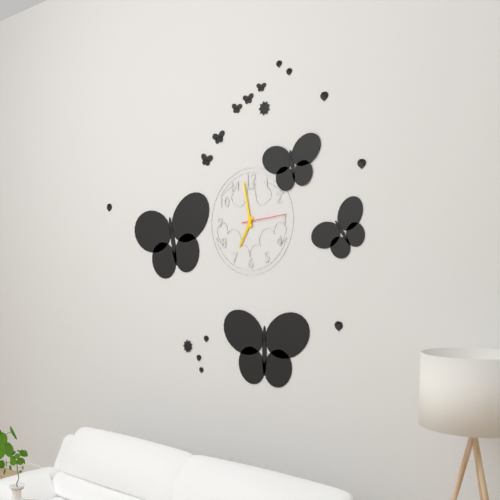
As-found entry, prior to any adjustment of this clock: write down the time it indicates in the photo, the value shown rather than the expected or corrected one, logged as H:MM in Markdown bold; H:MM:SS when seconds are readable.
**6:58**
